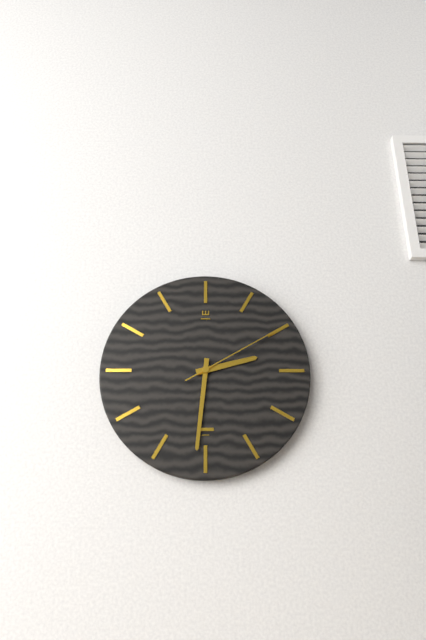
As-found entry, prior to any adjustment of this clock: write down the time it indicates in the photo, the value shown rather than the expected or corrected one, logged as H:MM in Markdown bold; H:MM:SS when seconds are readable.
**2:31:10**
